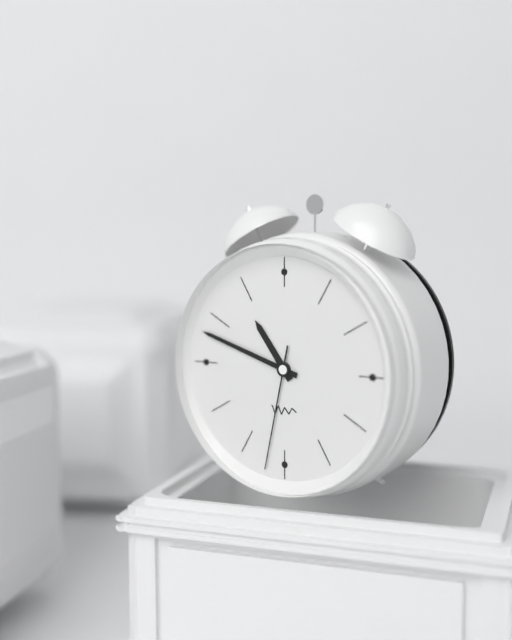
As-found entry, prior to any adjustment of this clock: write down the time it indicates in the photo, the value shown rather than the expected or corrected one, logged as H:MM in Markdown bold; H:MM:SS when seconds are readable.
**10:48:32**
